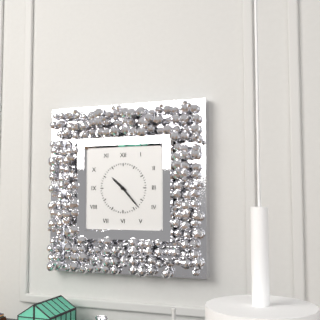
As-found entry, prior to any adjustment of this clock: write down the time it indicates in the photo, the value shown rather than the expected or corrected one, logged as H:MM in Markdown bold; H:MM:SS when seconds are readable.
**10:23**
